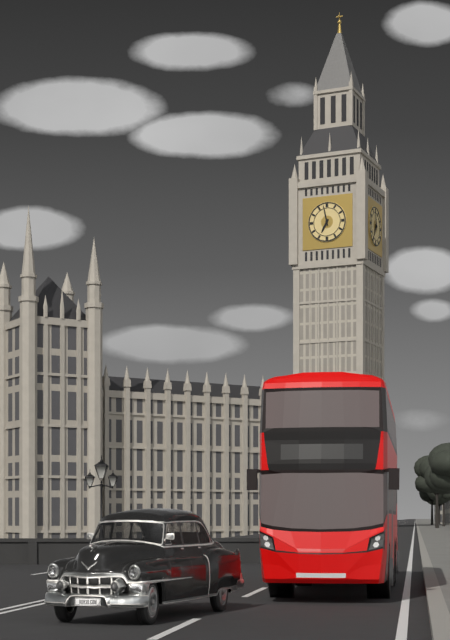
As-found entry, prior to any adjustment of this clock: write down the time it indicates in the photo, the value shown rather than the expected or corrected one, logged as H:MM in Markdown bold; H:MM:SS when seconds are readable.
**6:58**
